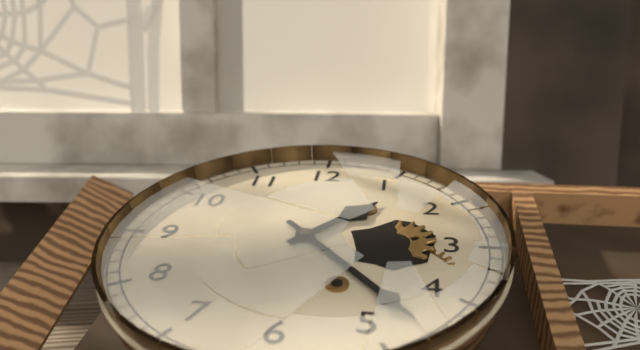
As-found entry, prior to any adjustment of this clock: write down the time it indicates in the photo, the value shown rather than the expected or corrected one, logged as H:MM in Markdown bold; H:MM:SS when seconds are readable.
**1:23**
